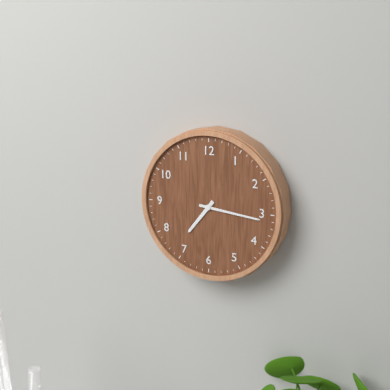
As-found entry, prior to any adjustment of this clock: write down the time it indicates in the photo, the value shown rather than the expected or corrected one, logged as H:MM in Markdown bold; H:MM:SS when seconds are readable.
**7:16**
